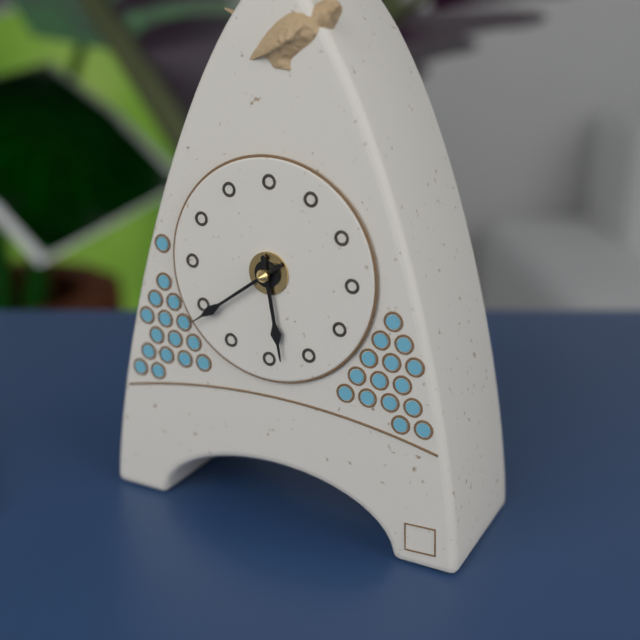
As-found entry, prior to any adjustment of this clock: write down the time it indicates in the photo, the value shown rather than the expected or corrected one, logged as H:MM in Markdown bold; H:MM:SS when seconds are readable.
**5:39**
